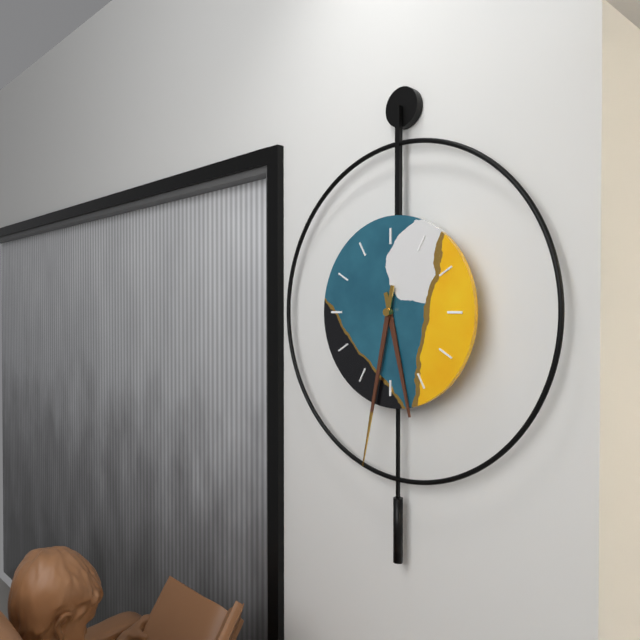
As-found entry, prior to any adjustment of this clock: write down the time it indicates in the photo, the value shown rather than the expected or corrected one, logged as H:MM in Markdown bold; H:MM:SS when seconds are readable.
**5:32**
